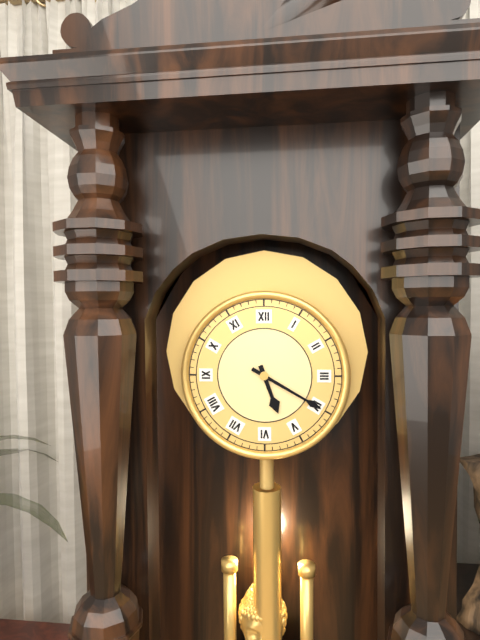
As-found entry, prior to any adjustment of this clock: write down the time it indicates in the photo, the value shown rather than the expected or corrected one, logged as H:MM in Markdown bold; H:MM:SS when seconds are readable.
**5:20**
